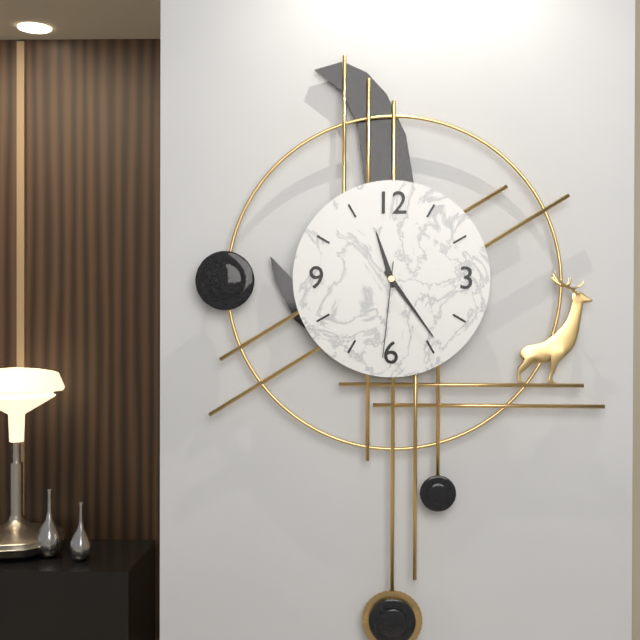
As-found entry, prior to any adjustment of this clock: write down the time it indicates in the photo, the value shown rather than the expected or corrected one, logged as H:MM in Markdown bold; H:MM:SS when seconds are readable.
**11:24:31**
